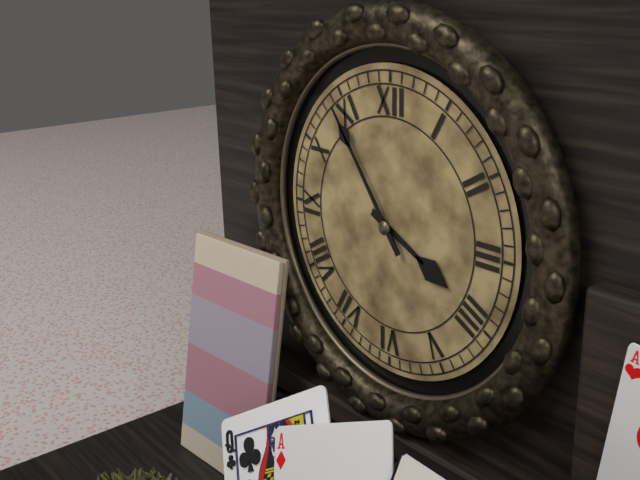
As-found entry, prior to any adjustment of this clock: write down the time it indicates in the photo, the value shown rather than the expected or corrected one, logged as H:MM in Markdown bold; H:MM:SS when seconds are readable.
**3:54**
